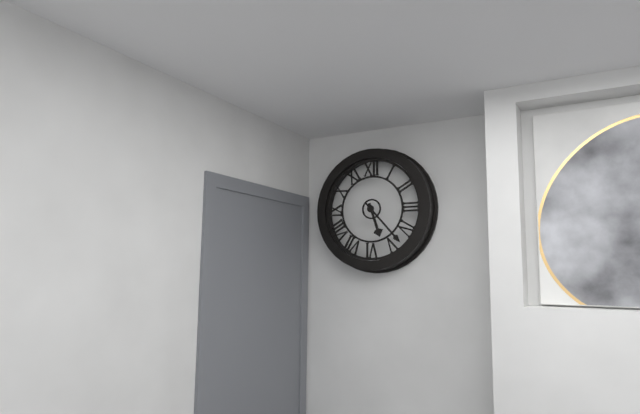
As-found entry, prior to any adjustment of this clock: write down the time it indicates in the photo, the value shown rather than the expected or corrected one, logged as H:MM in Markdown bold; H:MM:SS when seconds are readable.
**5:23**
